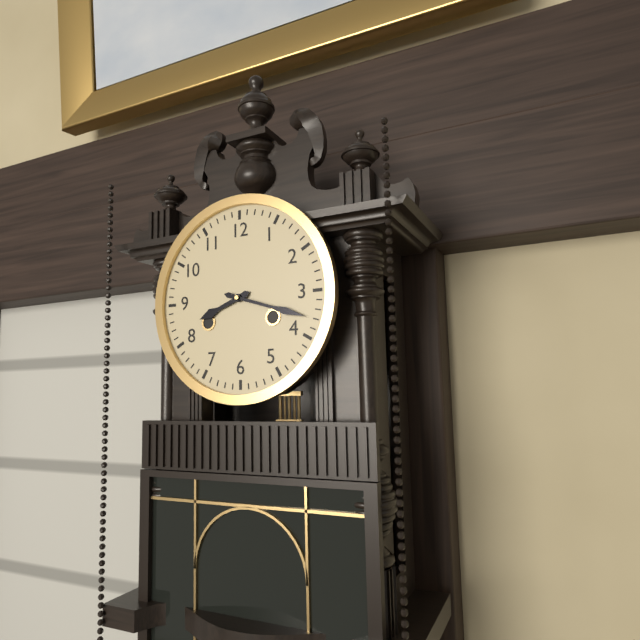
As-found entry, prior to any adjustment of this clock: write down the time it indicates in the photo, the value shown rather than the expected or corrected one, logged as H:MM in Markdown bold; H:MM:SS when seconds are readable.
**8:18**
